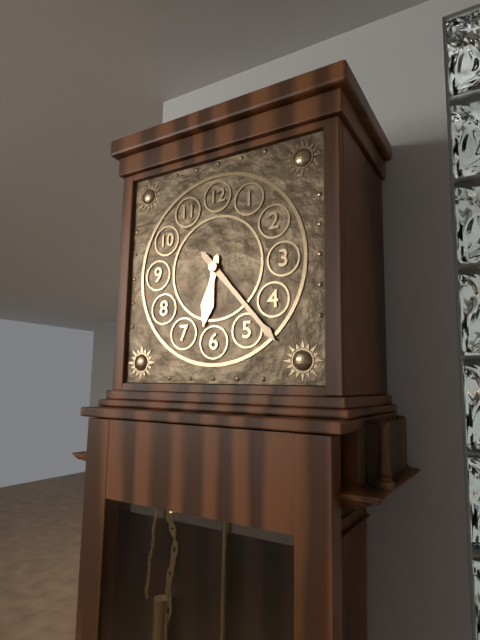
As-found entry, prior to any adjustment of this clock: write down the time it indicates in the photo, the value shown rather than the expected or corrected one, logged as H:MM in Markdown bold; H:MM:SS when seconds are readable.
**6:23**
